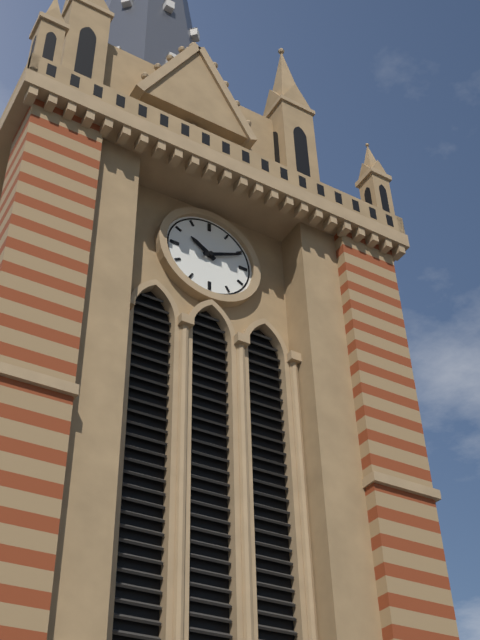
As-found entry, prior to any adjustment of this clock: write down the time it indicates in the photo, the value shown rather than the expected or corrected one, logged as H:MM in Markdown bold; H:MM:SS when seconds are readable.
**10:11**
